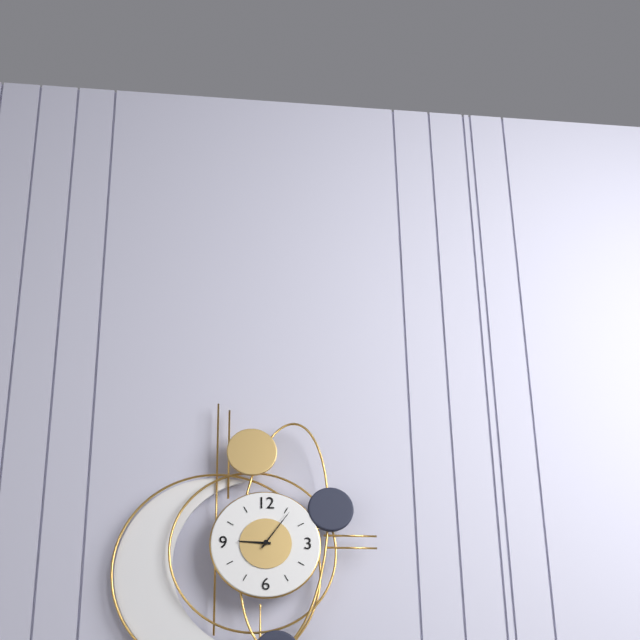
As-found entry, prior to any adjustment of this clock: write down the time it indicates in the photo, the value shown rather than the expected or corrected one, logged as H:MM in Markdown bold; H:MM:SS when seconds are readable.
**9:06**
